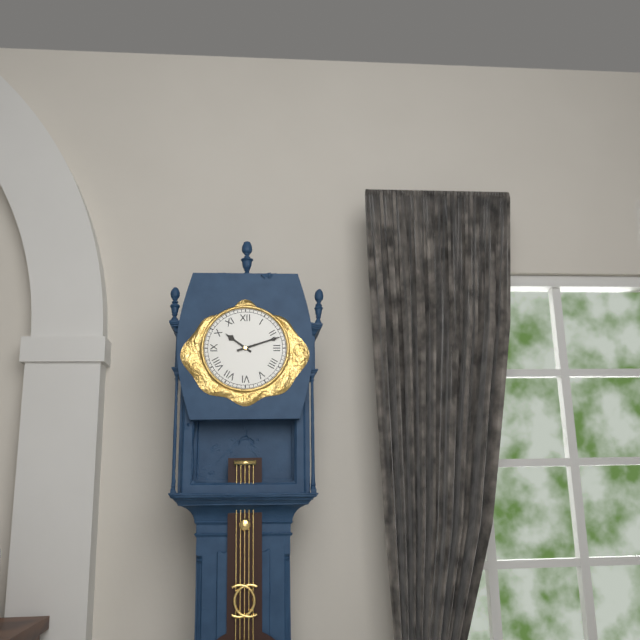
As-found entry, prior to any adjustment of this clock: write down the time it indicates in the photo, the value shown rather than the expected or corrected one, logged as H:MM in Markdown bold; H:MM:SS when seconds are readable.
**10:12**
